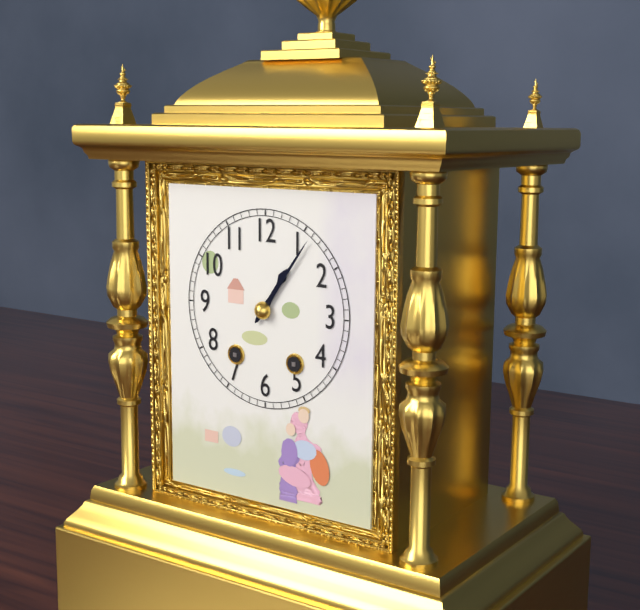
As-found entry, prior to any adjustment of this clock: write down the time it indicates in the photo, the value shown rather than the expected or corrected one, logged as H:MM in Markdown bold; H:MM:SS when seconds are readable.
**1:06**
